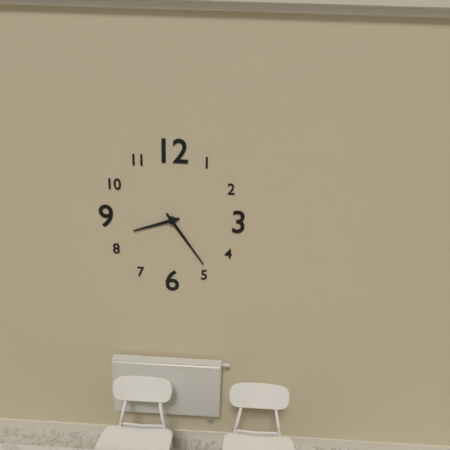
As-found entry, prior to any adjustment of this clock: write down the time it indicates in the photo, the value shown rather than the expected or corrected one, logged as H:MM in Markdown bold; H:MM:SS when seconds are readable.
**8:24**
